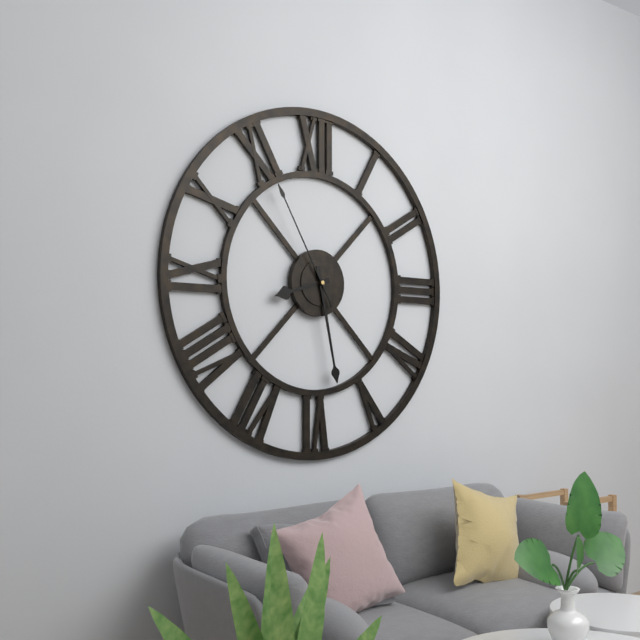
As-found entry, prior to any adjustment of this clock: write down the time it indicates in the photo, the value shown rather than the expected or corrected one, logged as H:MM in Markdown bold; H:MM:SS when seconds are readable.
**8:28:55**
